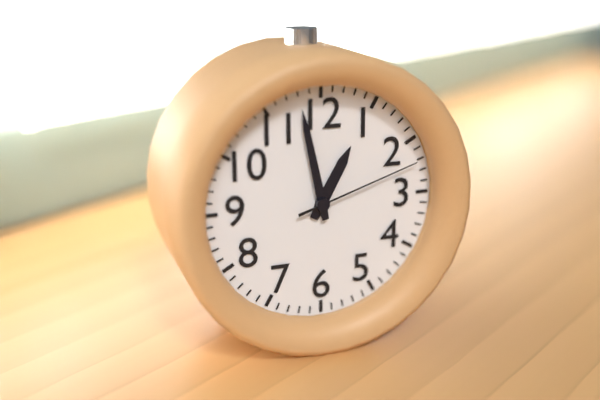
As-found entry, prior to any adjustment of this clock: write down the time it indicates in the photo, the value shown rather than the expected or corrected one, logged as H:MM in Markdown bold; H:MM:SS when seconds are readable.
**12:58:12**
